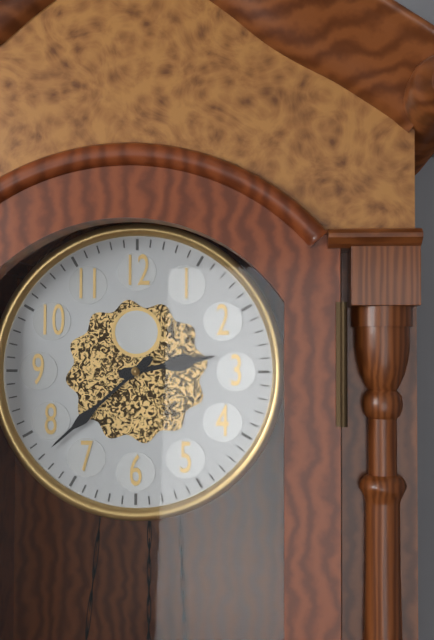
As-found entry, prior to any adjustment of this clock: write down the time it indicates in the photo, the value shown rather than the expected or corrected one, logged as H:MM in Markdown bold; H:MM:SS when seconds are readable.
**2:38**
